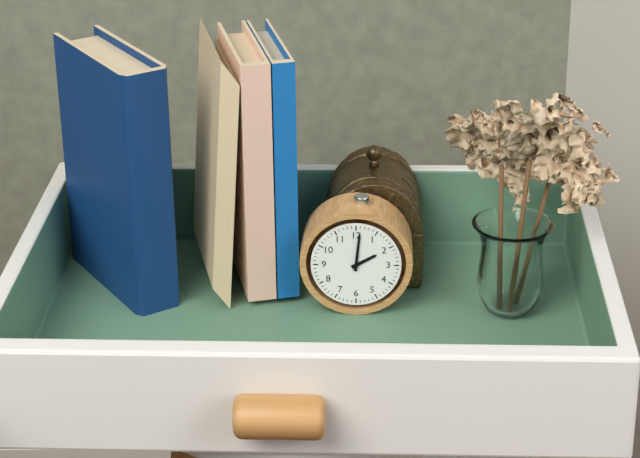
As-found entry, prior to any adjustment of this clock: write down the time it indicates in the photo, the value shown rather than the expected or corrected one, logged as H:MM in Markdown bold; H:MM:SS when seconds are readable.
**2:01**
